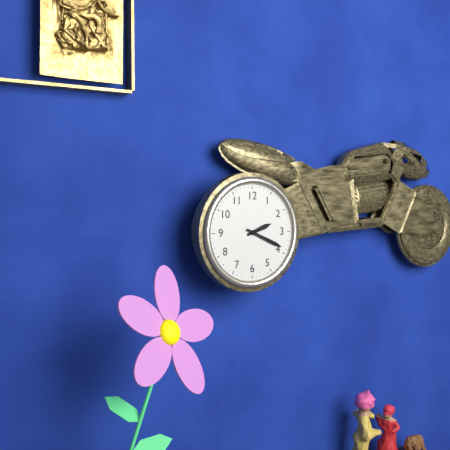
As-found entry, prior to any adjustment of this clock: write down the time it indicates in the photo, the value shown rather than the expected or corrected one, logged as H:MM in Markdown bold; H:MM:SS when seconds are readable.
**2:19**
